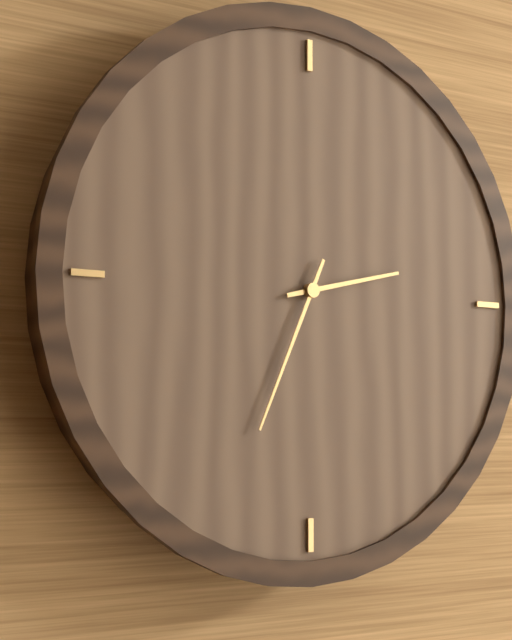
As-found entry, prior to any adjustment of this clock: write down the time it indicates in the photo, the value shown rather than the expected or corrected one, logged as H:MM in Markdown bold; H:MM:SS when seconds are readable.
**2:34**
